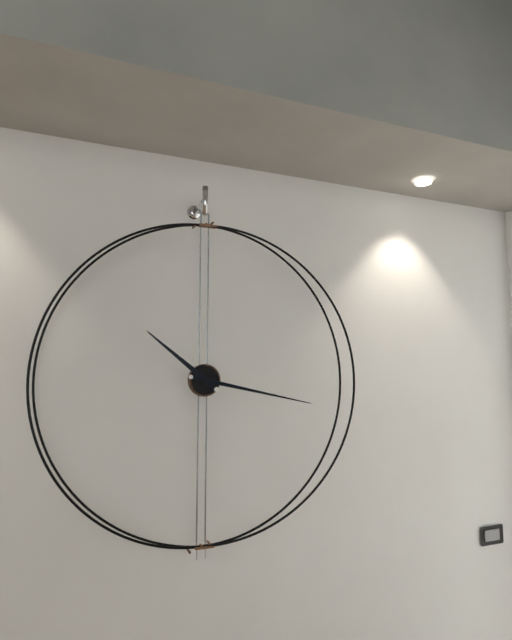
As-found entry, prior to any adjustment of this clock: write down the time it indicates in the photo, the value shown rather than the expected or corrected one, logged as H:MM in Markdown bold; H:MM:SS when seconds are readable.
**10:17**
